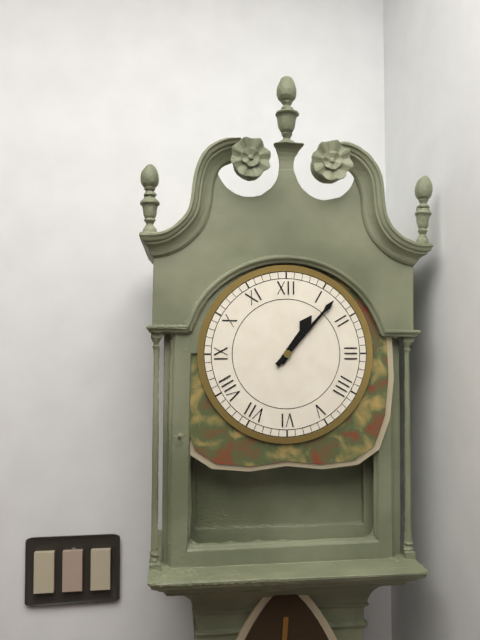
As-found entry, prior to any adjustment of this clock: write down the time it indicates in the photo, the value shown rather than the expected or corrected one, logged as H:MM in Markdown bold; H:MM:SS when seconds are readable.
**1:07**
